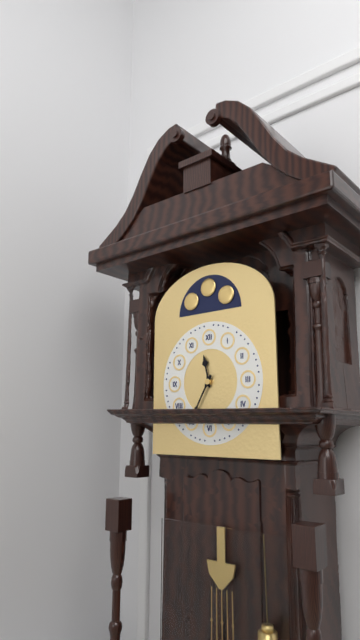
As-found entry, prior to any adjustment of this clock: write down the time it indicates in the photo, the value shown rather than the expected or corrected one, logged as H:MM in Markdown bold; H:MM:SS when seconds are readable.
**11:35**
